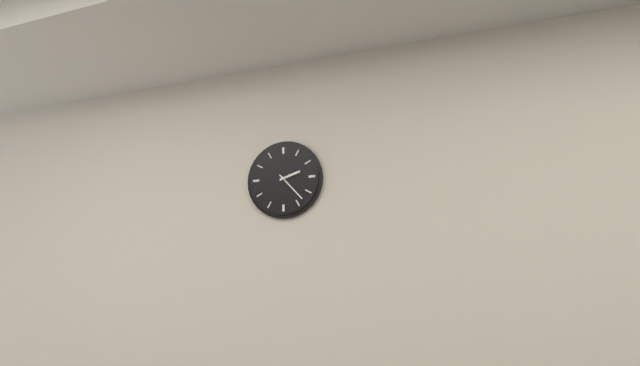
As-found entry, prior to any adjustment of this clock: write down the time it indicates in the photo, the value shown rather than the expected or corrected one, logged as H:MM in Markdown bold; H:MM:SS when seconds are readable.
**2:23**
